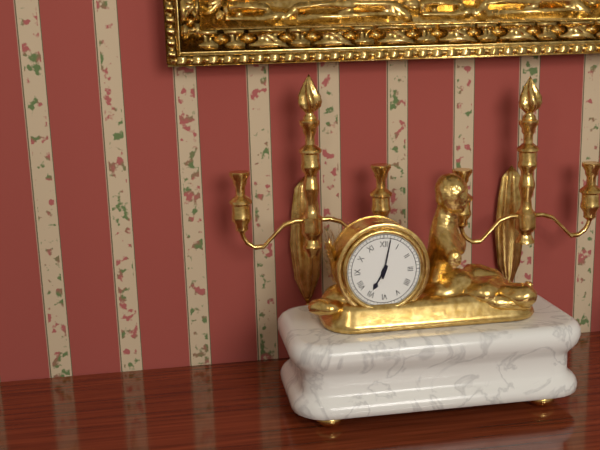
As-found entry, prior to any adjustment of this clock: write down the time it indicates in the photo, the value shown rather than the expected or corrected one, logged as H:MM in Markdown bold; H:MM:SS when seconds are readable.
**7:02**
